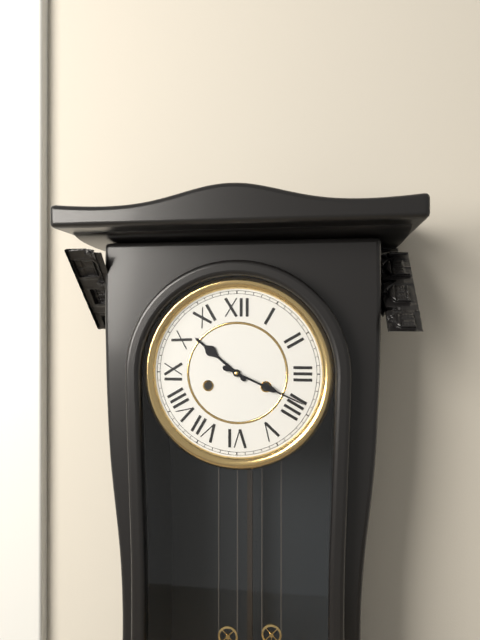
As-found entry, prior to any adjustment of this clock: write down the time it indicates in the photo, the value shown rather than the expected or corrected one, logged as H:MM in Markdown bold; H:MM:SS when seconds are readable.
**10:19**
